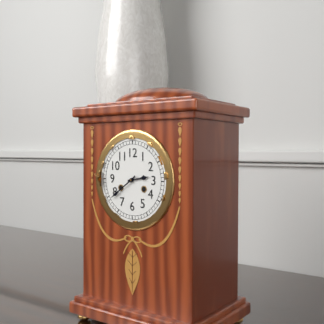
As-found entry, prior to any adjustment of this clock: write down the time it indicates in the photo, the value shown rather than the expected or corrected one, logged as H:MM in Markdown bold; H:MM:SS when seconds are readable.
**2:39**
